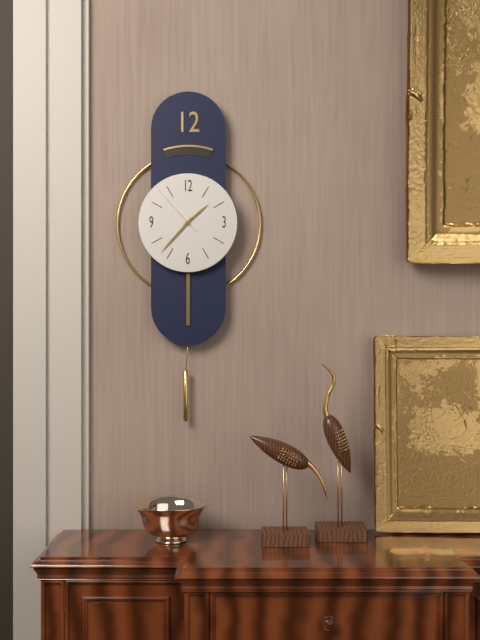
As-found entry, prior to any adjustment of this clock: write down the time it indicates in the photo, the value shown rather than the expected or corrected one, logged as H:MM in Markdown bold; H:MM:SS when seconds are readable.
**1:37:53**
